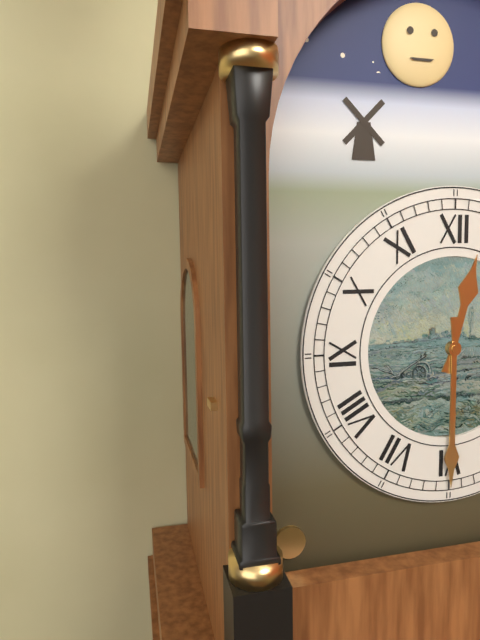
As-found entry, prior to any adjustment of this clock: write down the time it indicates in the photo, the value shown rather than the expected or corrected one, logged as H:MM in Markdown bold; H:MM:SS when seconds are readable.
**12:30**
